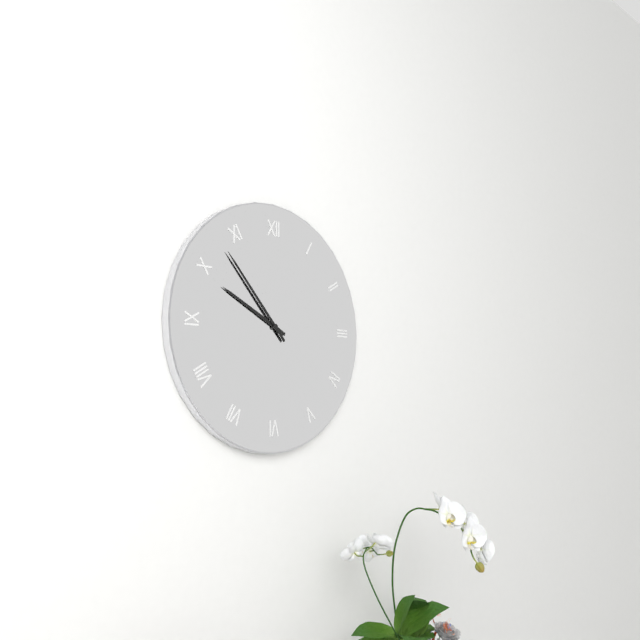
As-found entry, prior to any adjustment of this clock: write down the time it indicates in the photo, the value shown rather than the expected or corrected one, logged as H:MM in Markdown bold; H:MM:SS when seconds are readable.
**9:53**
